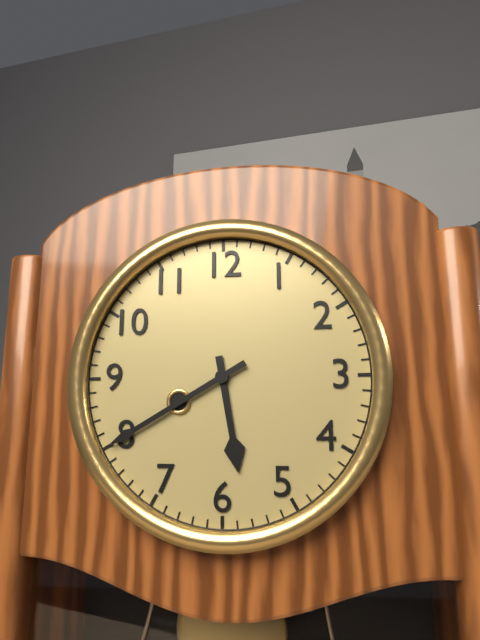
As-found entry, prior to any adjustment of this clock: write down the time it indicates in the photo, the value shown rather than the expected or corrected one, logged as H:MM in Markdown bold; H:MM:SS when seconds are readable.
**5:40**
